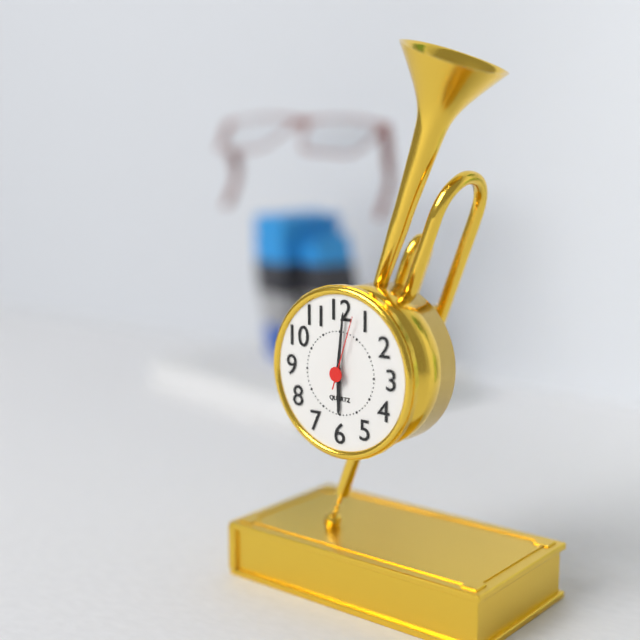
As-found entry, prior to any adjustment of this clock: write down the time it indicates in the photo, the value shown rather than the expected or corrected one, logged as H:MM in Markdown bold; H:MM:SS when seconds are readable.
**6:01:03**
